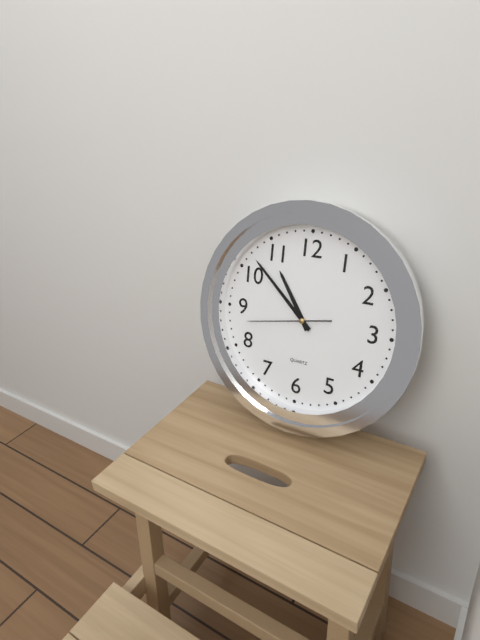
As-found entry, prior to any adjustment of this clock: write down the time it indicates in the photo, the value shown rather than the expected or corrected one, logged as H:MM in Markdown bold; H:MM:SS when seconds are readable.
**10:52:43**
